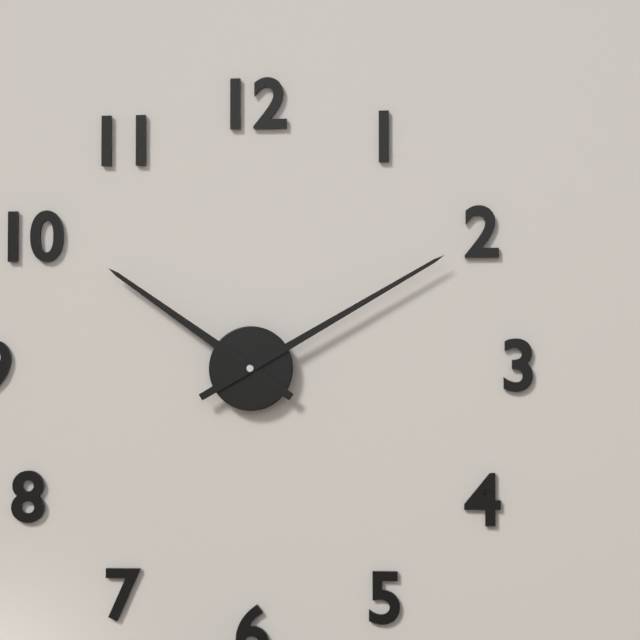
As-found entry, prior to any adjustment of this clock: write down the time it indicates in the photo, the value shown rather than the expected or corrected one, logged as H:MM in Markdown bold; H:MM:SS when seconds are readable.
**10:10**
